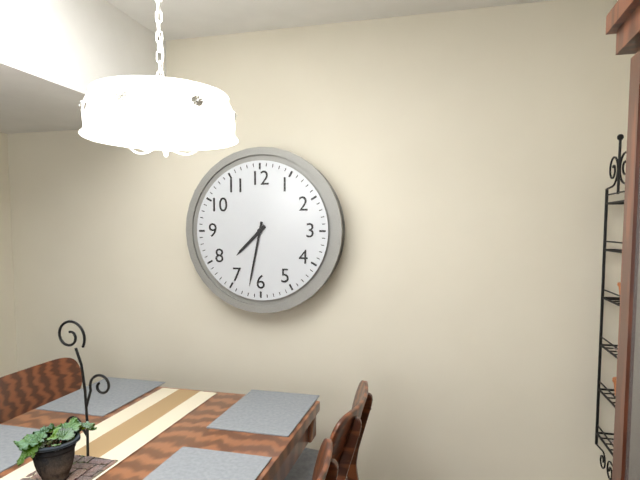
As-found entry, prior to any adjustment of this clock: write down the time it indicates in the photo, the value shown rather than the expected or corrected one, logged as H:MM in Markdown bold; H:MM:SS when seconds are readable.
**7:32**
